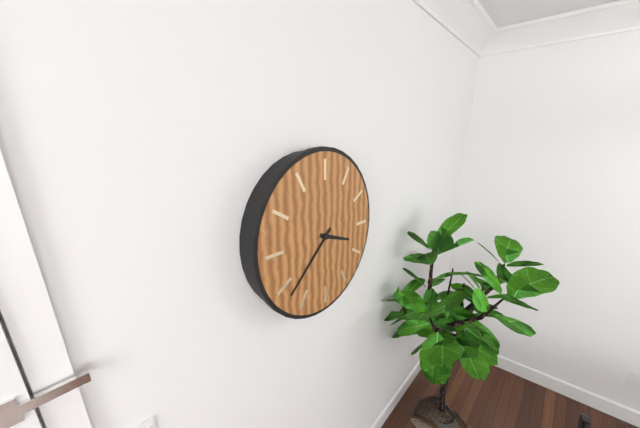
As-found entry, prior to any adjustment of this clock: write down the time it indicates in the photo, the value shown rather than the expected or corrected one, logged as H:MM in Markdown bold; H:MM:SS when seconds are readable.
**3:38**
